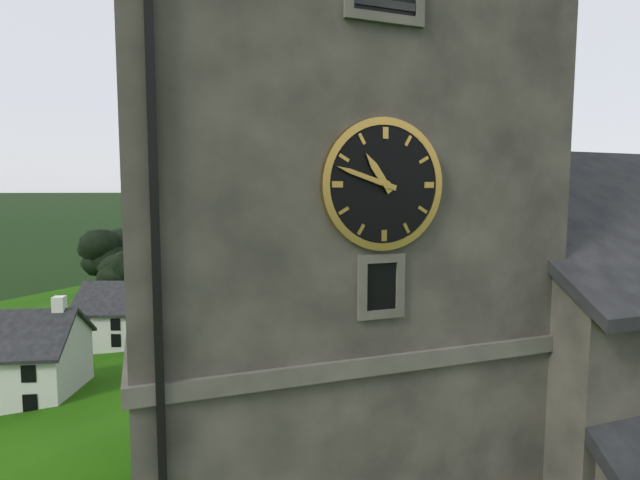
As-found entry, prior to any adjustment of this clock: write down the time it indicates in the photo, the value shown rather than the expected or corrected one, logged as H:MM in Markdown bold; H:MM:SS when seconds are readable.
**10:48**
